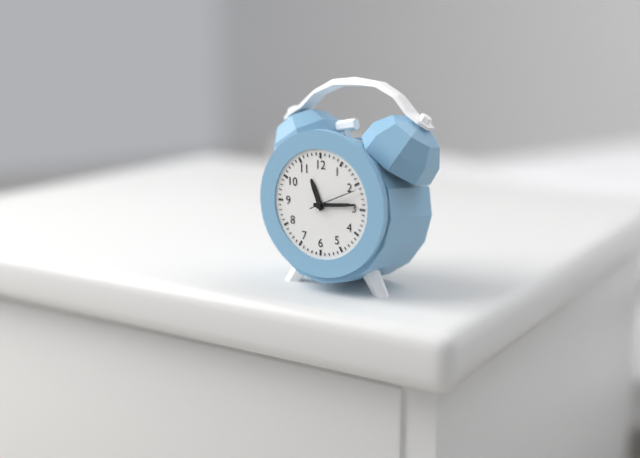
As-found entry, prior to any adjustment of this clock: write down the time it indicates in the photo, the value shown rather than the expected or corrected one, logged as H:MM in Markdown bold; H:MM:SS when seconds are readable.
**11:14**
